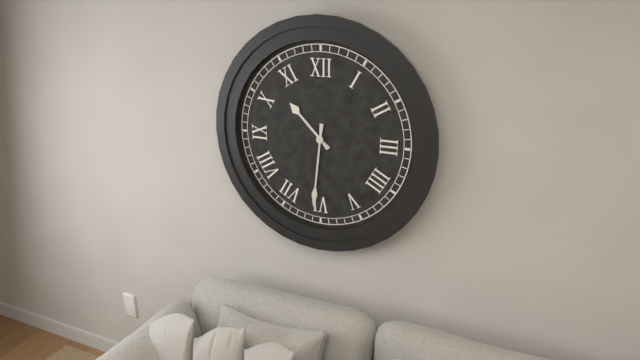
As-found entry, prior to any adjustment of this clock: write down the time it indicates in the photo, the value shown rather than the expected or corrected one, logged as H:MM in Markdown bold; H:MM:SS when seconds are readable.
**10:31**
